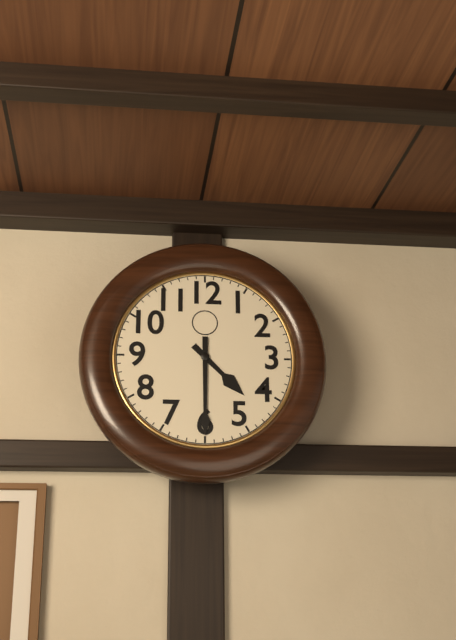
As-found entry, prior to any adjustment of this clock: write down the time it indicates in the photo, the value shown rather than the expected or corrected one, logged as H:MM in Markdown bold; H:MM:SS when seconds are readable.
**4:30**
